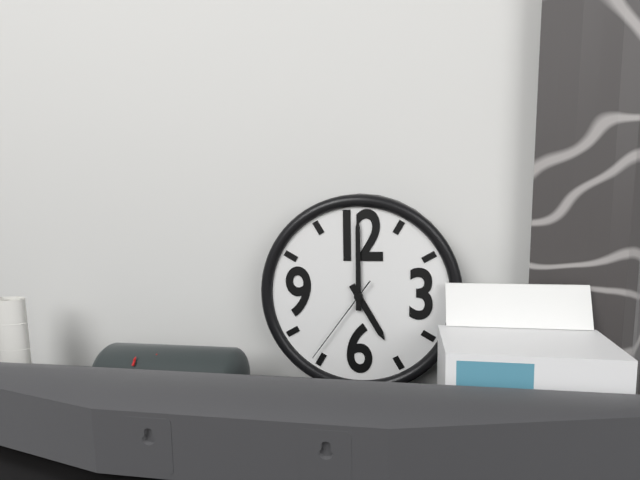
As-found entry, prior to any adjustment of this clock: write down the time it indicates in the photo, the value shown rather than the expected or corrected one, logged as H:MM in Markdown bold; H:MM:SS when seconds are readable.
**5:00:36**
